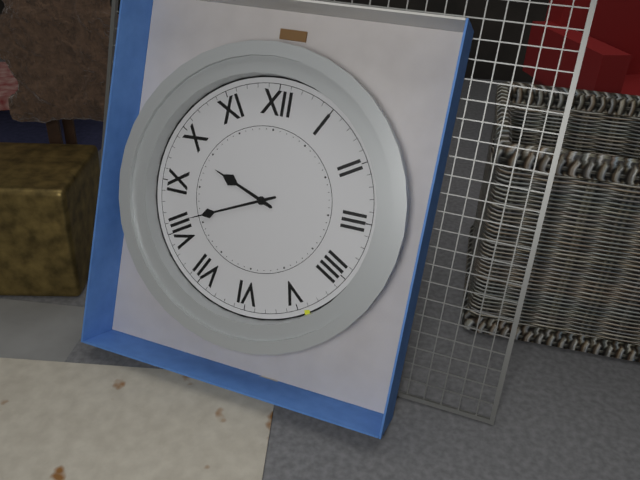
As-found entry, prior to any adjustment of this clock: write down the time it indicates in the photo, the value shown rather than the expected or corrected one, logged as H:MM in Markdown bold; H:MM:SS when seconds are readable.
**9:41**
